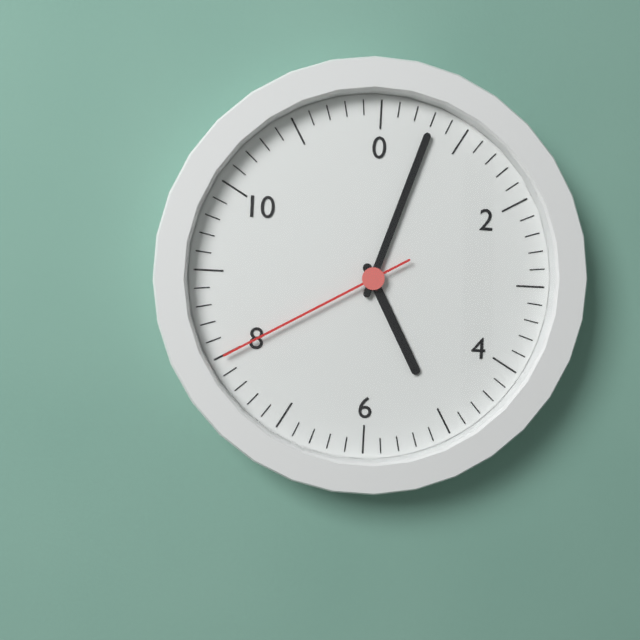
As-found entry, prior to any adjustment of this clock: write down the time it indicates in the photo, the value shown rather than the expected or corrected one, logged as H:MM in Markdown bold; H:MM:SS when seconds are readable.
**5:03:40**
